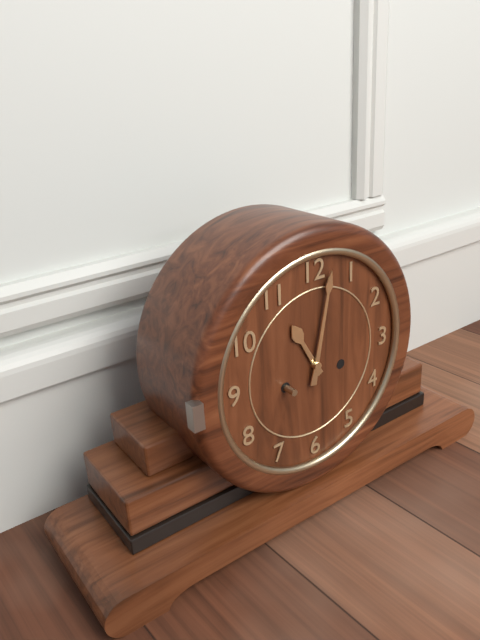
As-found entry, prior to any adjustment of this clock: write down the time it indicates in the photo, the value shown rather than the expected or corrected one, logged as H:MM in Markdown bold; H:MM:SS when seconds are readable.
**11:02**
